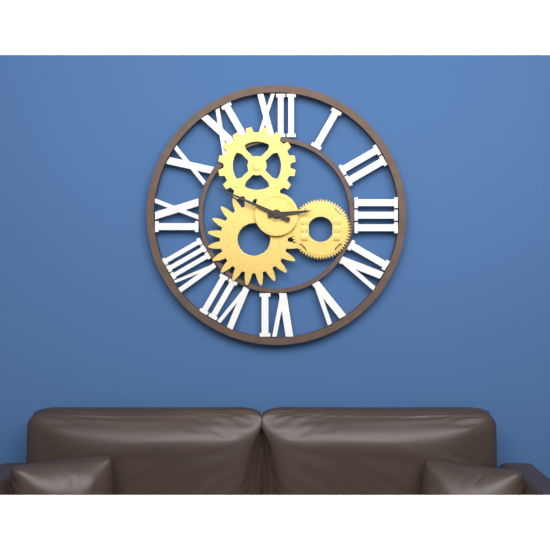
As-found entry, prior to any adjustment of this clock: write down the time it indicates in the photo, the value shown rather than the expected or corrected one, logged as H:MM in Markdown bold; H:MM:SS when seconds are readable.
**2:49**
